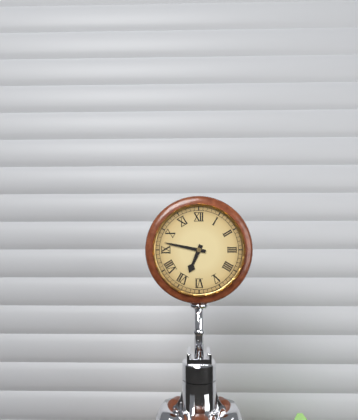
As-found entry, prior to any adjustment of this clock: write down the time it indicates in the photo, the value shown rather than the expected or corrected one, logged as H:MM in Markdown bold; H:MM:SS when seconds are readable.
**6:47**
